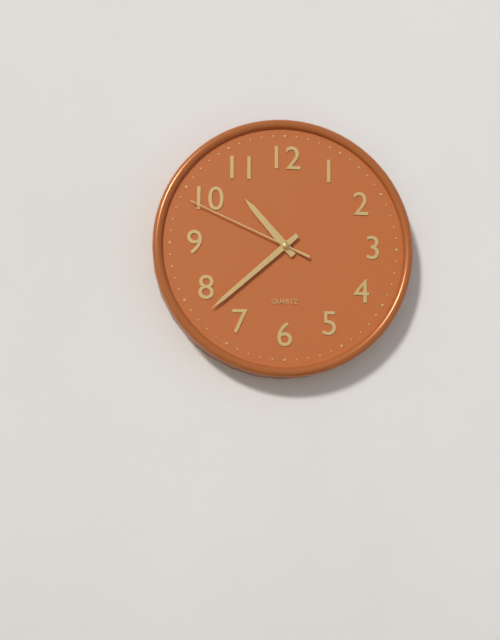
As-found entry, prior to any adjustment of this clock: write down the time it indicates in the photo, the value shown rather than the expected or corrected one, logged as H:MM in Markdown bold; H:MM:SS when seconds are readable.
**10:38:49**
